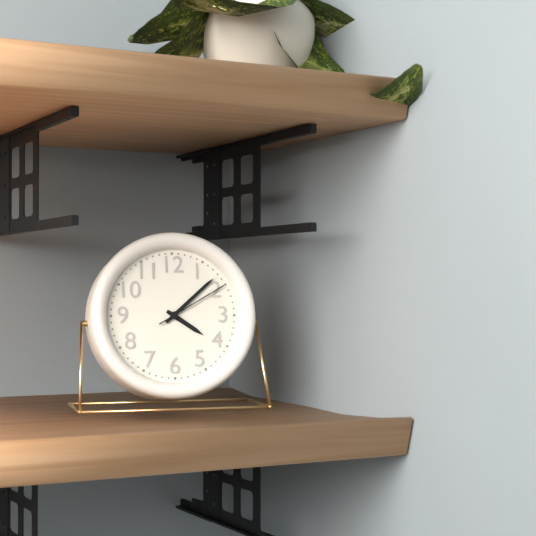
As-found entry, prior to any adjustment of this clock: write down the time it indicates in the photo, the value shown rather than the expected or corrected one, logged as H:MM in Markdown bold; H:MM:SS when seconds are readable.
**4:08:10**
